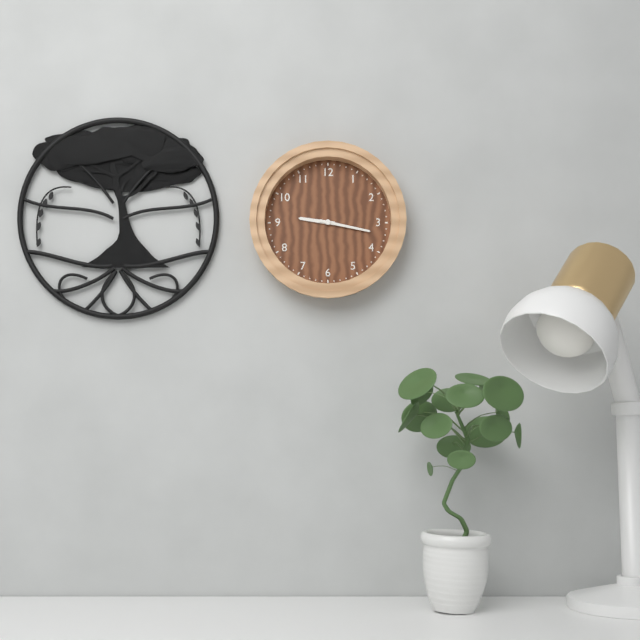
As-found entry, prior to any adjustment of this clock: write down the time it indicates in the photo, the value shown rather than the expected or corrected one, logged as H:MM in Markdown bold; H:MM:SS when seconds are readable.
**9:17**
